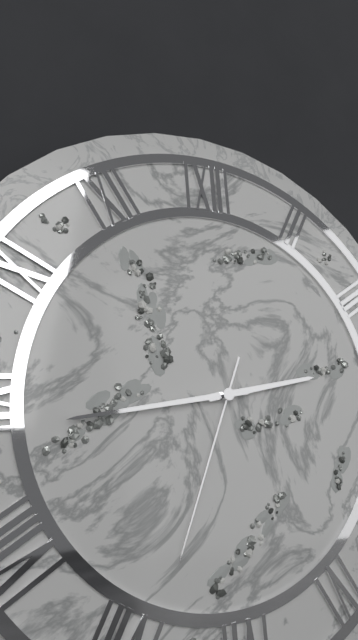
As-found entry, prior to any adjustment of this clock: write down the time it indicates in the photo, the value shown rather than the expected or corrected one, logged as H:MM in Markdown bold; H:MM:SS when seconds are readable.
**2:44:34**
